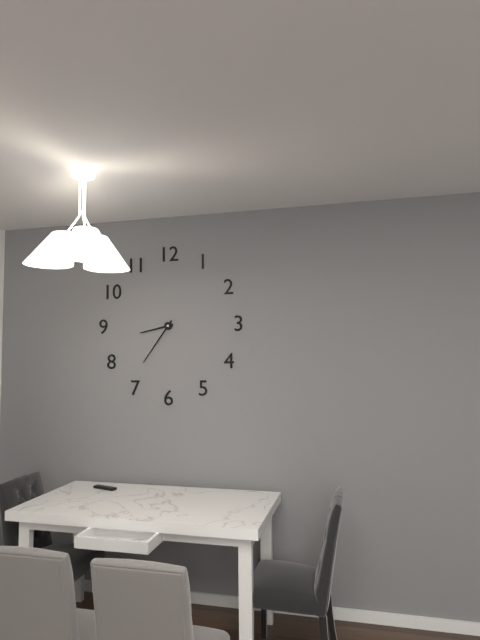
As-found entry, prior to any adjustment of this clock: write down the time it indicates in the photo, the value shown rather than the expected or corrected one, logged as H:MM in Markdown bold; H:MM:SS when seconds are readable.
**8:36**
